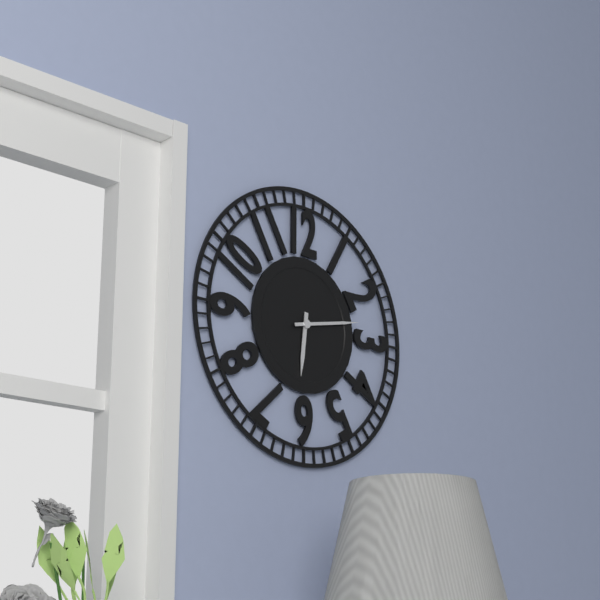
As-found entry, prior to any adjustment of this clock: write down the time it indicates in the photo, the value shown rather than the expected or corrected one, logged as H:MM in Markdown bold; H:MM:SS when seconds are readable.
**6:13**
